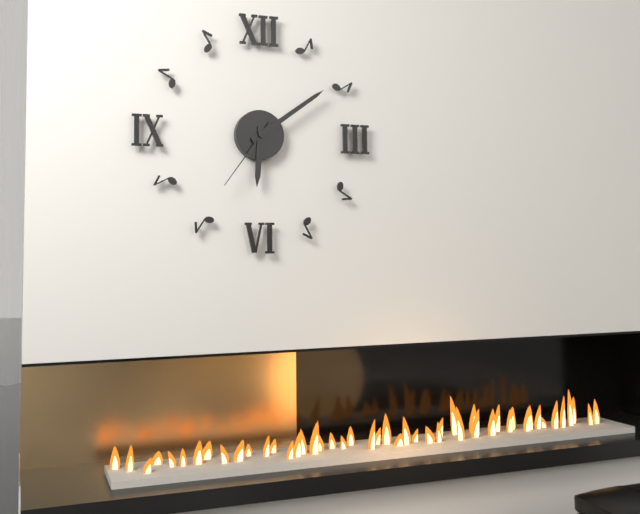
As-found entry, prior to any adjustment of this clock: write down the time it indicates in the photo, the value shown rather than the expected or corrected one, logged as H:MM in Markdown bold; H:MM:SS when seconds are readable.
**6:09:36**
